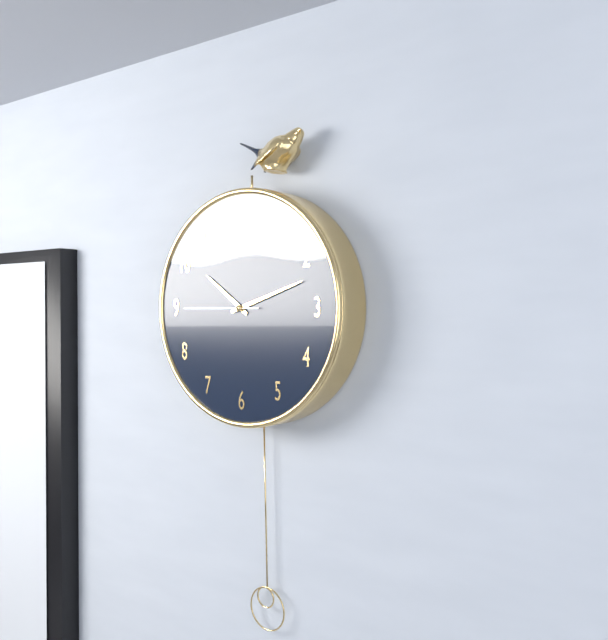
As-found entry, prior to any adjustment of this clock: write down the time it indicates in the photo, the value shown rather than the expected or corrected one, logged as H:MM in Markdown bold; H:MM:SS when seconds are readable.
**10:12:45**
